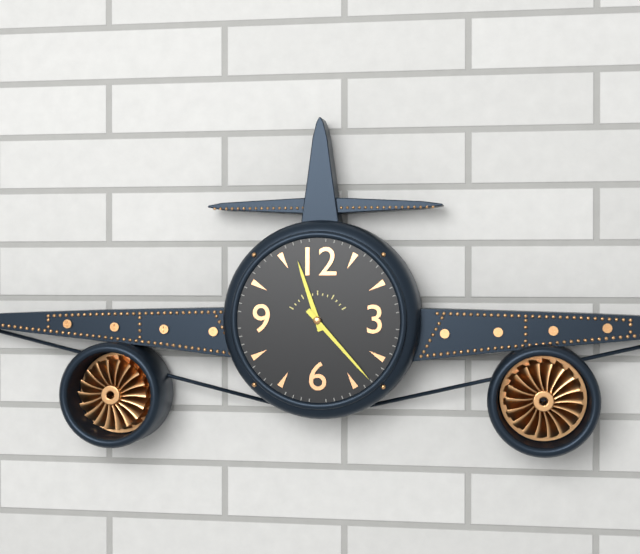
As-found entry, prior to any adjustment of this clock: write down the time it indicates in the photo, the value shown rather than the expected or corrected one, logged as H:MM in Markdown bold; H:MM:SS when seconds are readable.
**11:23**
